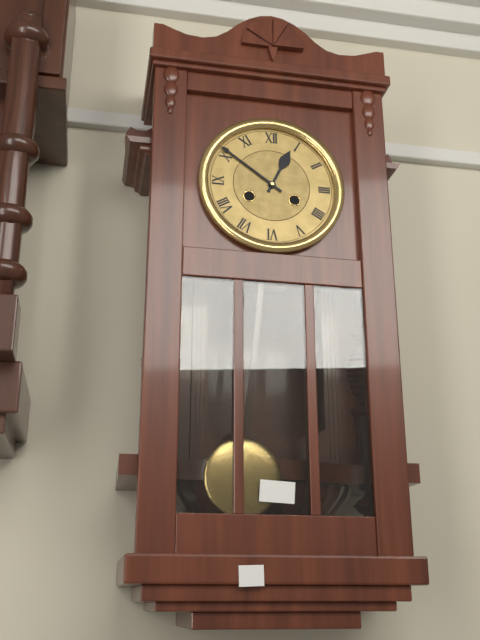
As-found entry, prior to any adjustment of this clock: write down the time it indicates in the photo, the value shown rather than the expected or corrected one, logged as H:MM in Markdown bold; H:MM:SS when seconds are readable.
**12:51**
